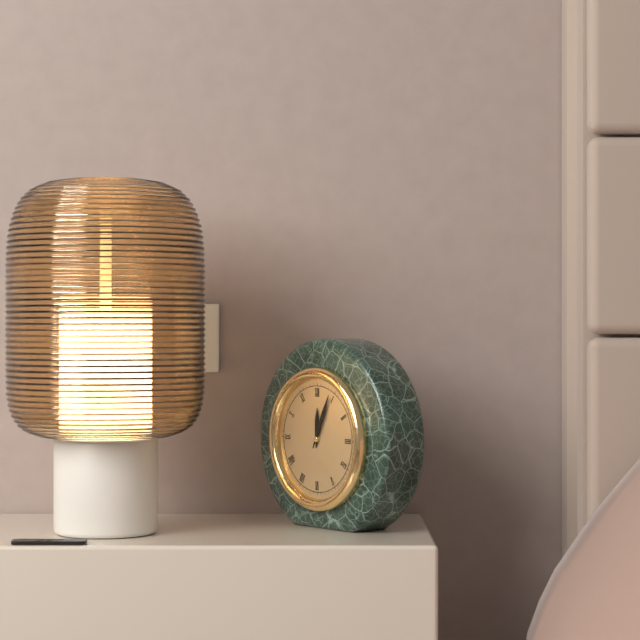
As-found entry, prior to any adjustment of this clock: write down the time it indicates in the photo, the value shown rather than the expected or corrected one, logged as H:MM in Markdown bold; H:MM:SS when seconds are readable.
**12:04**
